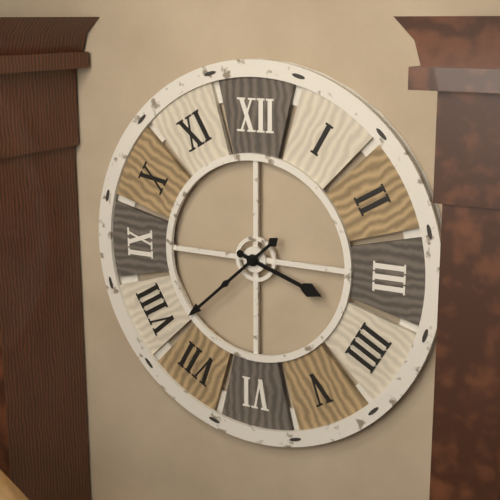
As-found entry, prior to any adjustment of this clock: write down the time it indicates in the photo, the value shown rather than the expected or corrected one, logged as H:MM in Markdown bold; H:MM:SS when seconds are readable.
**3:38**
